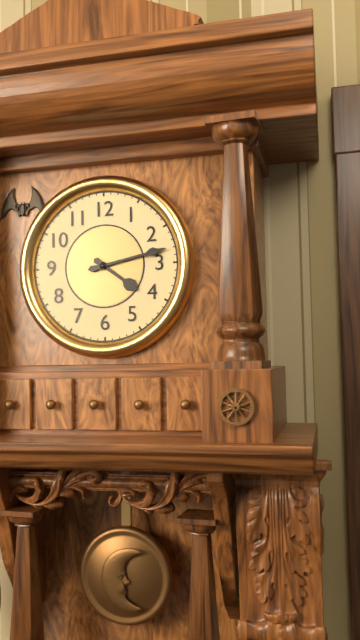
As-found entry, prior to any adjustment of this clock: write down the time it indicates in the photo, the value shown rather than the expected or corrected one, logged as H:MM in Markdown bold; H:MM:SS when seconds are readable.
**4:13**
